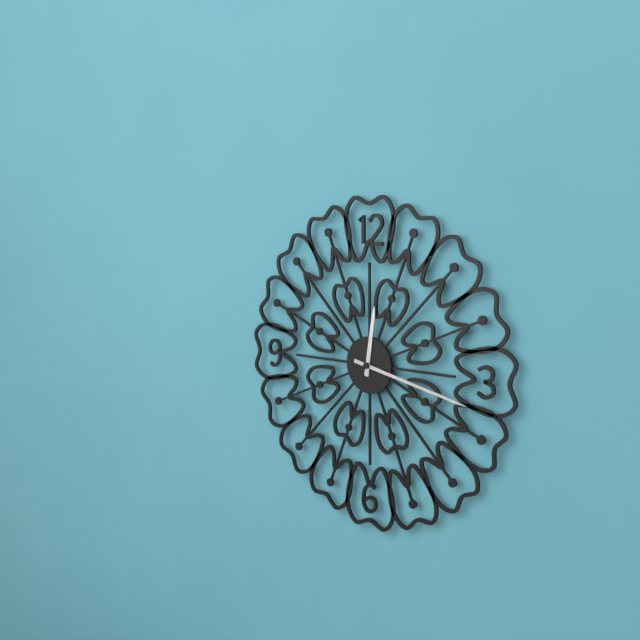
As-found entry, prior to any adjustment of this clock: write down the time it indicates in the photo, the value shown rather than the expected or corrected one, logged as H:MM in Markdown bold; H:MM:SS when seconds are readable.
**12:17**
